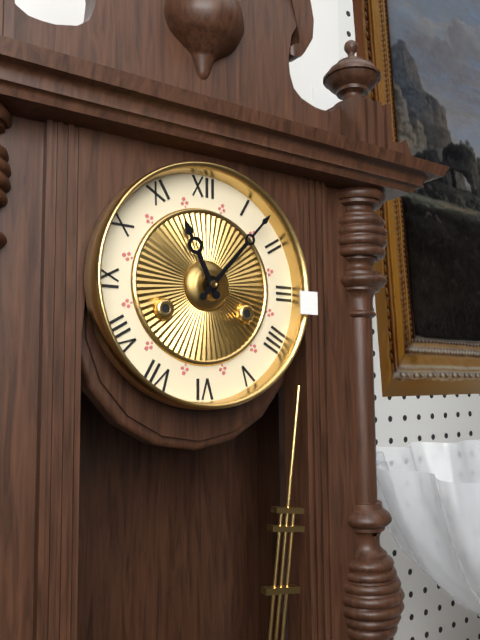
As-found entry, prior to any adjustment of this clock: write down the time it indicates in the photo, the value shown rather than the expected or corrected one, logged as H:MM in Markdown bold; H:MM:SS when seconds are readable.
**11:07**
